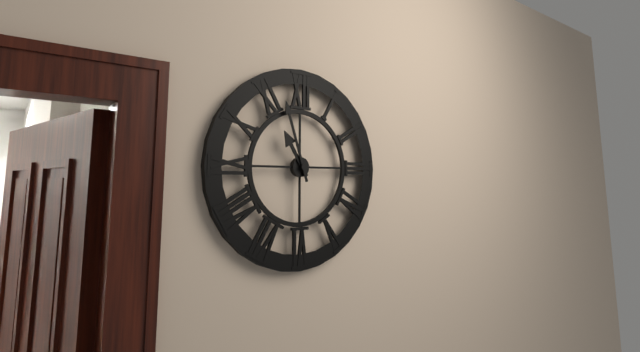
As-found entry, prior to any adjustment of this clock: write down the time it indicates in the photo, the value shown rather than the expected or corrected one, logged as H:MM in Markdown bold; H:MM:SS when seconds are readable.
**10:57**
